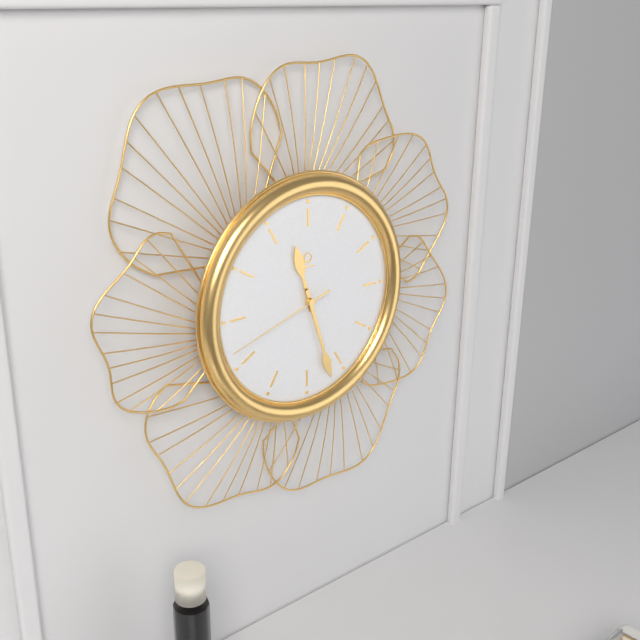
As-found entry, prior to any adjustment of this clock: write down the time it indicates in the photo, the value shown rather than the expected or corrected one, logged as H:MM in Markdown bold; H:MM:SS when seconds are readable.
**11:27:42**
